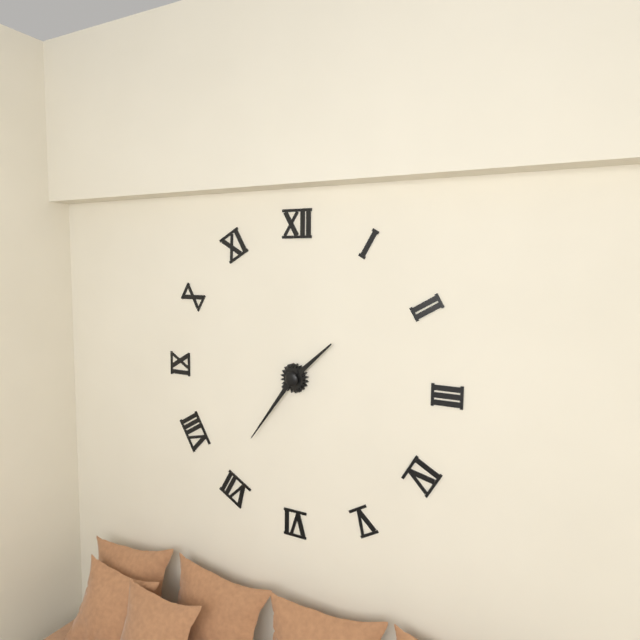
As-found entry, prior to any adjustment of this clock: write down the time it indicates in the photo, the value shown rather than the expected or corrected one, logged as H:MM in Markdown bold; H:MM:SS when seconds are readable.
**1:36**
